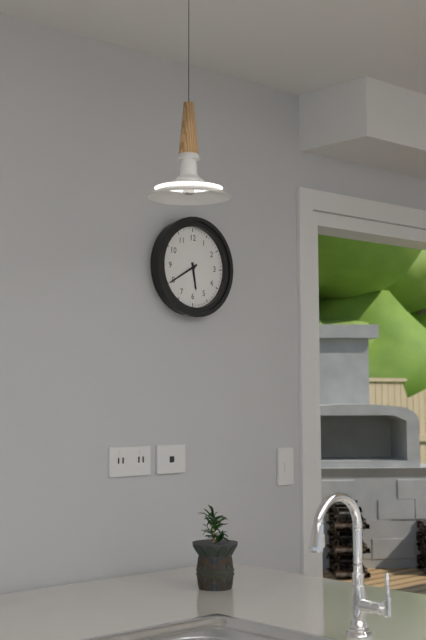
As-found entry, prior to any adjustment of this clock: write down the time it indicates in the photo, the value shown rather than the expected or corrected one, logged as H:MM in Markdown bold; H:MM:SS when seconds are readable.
**5:40**
